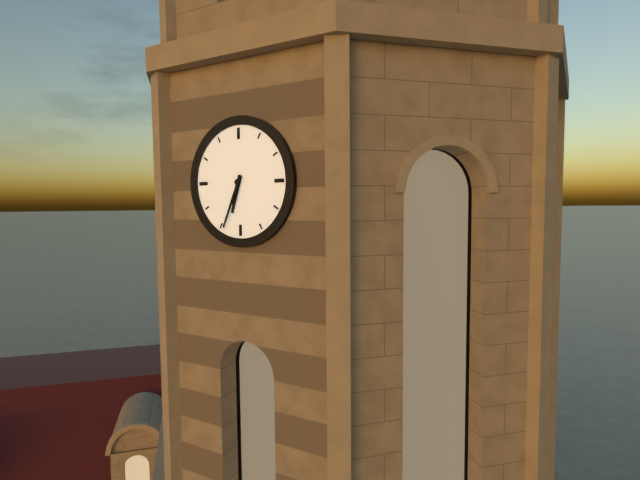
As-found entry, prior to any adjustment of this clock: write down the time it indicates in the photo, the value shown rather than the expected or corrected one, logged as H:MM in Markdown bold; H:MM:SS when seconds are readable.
**6:34**
